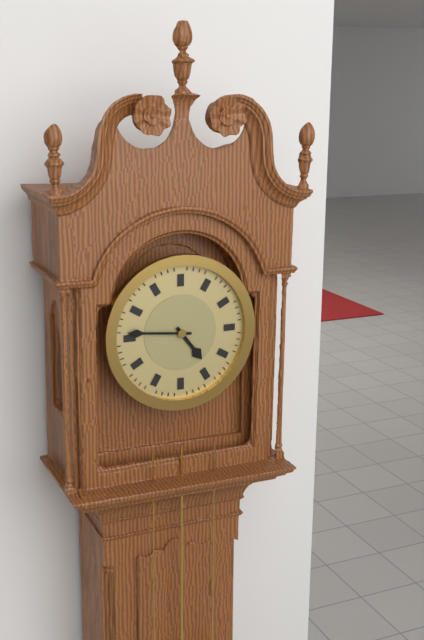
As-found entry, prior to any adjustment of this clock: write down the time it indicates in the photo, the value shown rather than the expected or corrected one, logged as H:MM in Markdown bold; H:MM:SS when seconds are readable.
**4:46**
